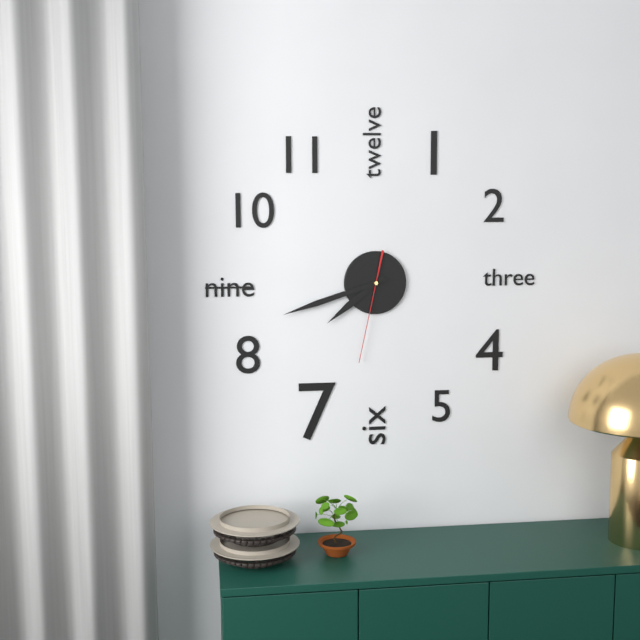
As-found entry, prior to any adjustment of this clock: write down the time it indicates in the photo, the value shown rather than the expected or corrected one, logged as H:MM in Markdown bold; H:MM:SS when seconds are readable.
**7:42:32**
